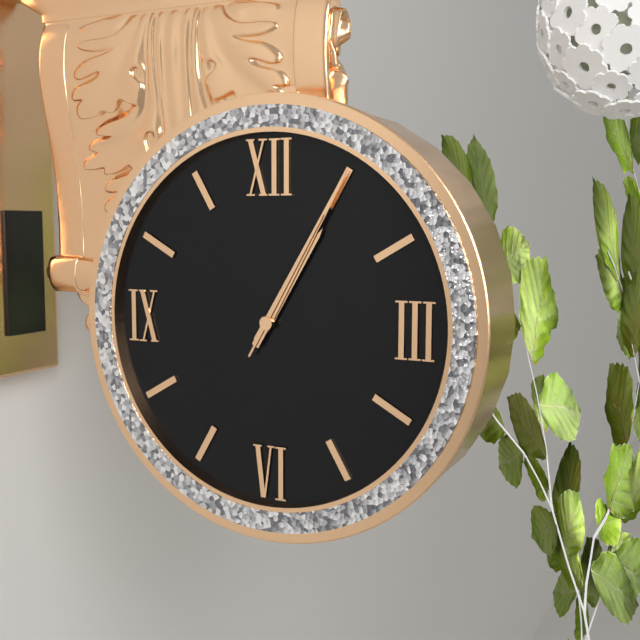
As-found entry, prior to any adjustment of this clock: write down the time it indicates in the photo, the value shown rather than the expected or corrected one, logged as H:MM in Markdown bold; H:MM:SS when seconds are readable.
**1:05:05**
